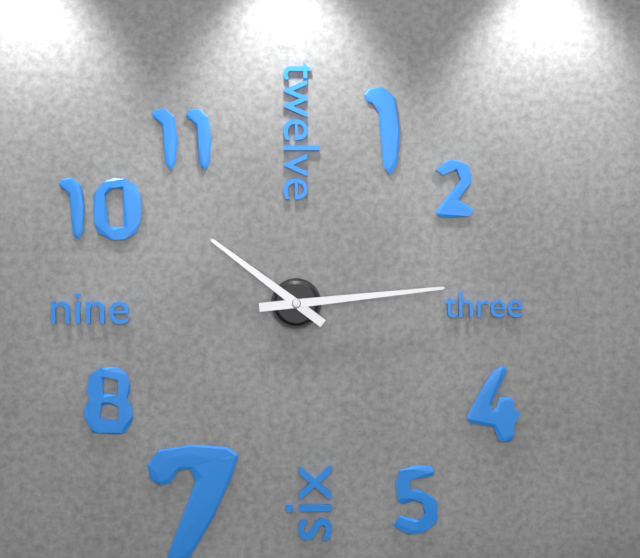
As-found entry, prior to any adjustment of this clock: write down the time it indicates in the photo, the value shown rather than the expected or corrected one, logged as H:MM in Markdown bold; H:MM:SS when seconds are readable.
**10:14**
